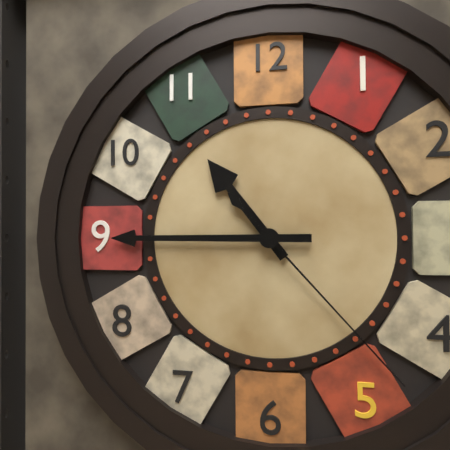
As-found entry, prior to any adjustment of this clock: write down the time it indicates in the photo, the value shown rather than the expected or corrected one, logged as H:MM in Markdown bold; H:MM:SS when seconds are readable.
**10:45:23**
